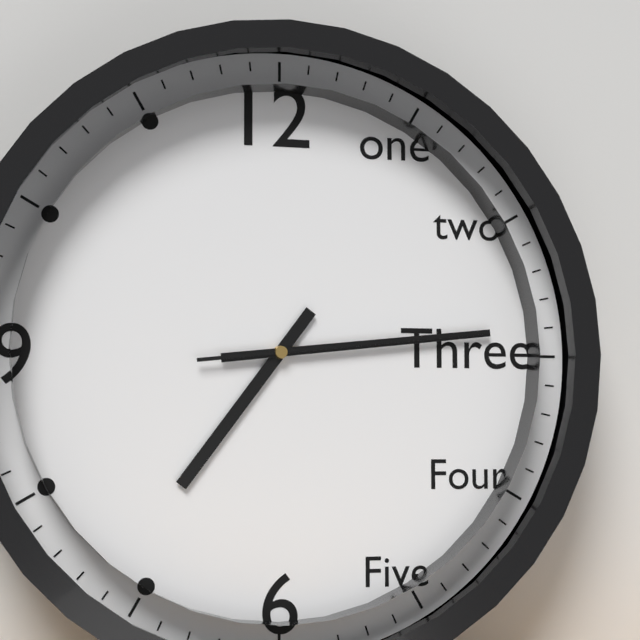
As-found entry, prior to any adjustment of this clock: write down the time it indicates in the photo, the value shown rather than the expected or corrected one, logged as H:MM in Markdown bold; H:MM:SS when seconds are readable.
**7:14:14**
